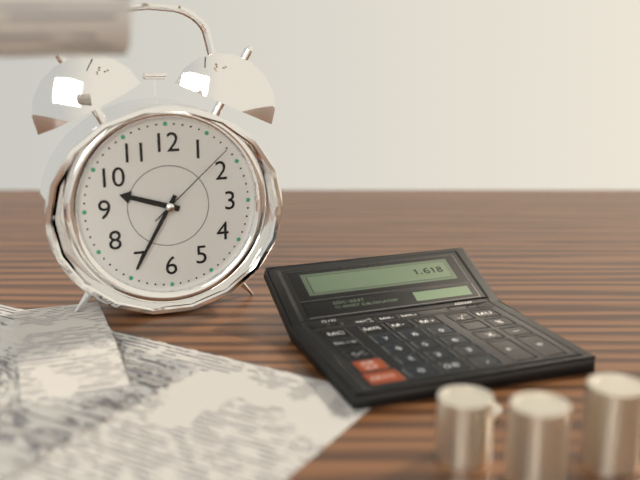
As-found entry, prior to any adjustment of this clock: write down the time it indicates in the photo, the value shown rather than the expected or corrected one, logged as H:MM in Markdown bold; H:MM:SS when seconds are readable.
**9:35:08**
